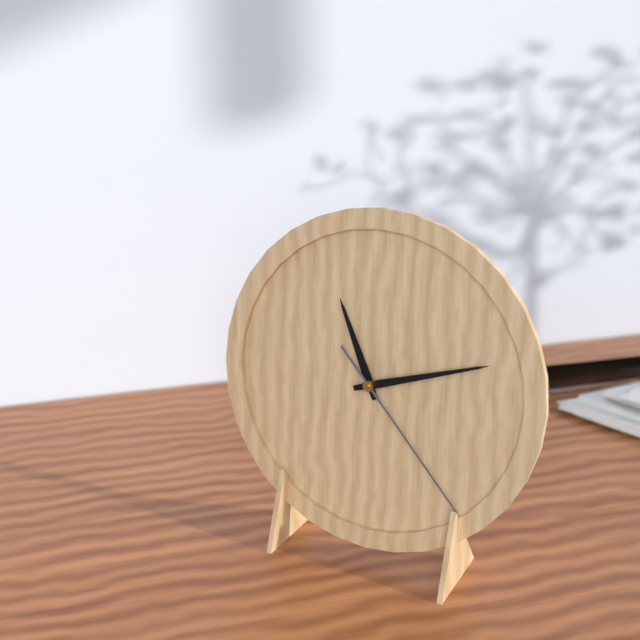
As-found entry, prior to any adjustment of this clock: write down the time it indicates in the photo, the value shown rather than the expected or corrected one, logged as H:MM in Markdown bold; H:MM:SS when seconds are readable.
**11:12:23**
